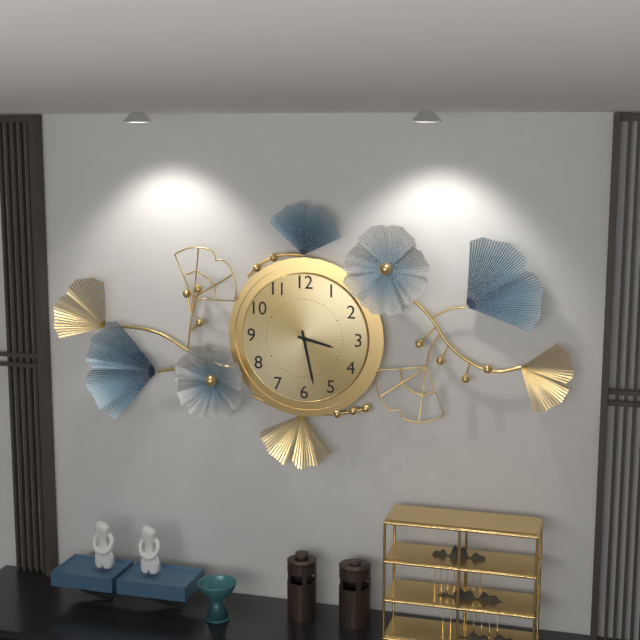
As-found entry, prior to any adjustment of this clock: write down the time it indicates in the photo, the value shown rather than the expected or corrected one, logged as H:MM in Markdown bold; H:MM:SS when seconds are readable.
**3:28**
